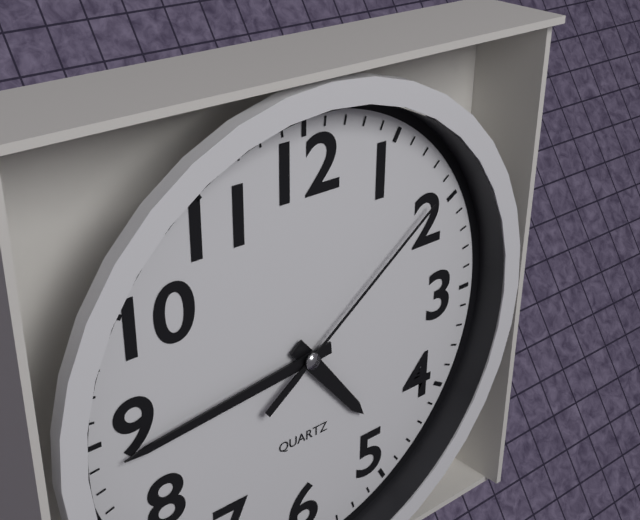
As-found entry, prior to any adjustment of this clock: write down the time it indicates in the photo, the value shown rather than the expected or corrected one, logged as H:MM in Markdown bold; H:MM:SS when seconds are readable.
**4:44:09**
